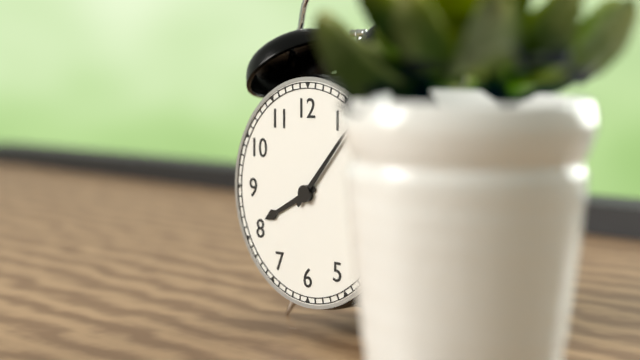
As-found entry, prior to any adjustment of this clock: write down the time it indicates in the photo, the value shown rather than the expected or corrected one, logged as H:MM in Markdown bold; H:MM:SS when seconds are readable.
**8:07**
